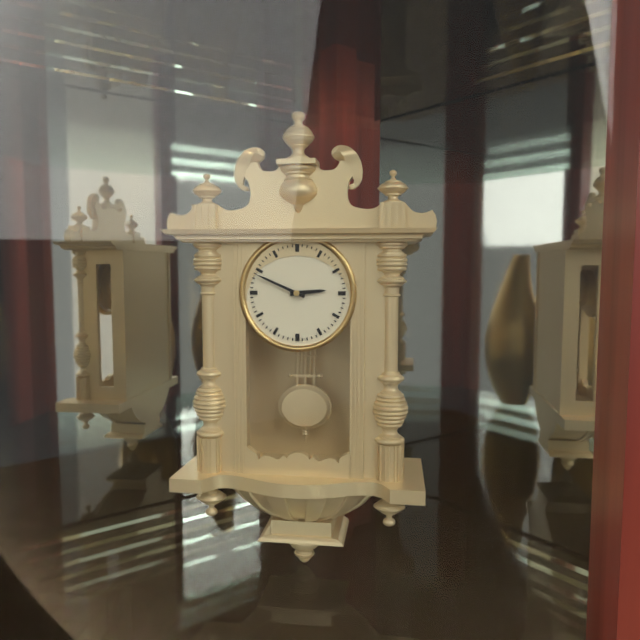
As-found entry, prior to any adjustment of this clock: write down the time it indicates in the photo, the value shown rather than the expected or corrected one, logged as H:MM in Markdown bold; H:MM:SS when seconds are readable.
**2:49**
